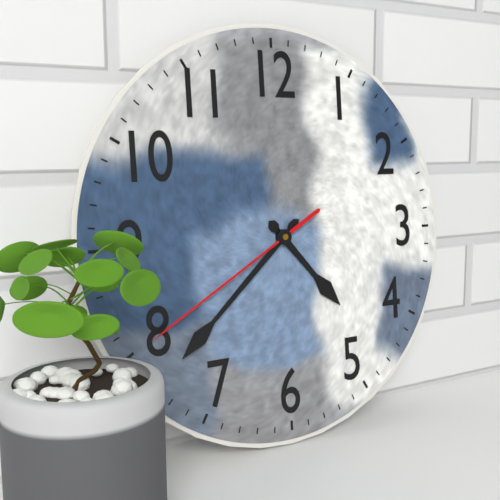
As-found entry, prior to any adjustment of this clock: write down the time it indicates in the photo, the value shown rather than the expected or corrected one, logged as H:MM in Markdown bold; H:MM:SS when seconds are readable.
**4:38:40**
